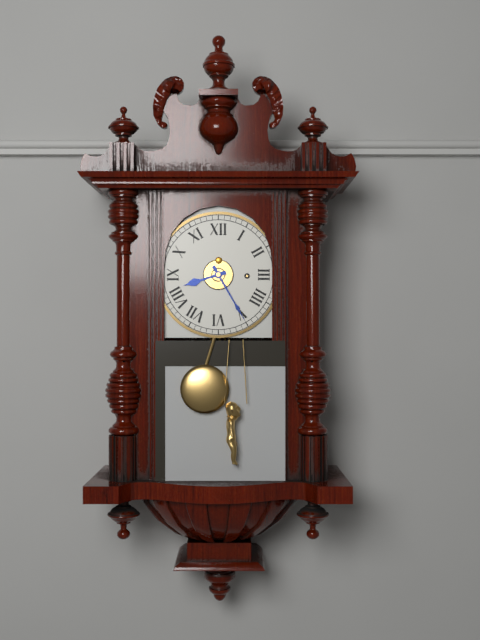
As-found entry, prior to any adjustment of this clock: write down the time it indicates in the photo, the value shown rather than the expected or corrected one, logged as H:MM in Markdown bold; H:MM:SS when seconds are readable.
**8:25**
